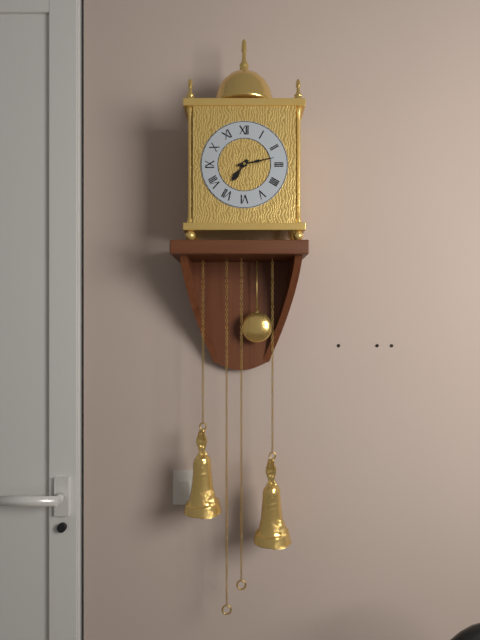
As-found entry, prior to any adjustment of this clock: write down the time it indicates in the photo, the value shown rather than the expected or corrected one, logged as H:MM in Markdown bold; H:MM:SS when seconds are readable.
**7:13**
